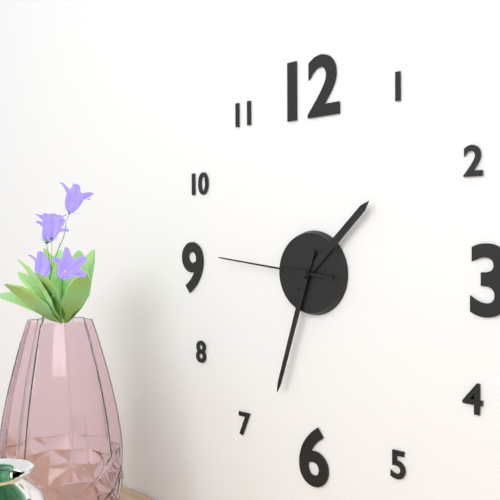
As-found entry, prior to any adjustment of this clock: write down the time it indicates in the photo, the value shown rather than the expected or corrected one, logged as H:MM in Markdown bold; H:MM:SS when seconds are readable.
**1:33:46**
